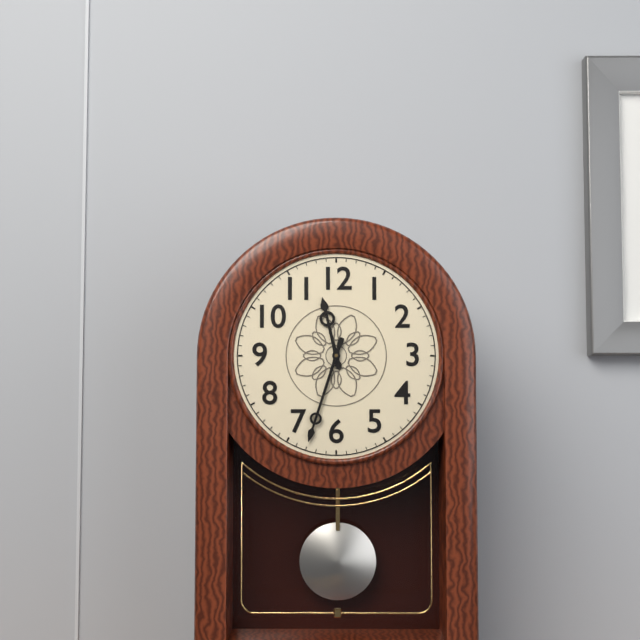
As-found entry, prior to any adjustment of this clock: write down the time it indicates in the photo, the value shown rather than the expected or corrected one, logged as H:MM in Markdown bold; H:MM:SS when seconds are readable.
**11:33**
